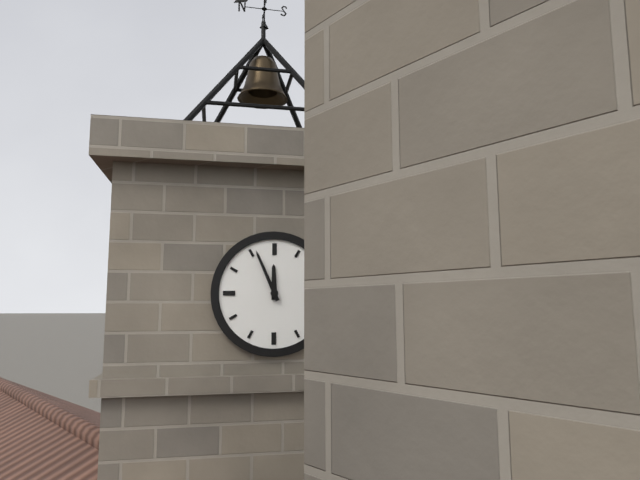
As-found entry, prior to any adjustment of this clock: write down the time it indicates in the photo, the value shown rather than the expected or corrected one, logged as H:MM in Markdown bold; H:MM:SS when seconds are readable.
**11:56**
